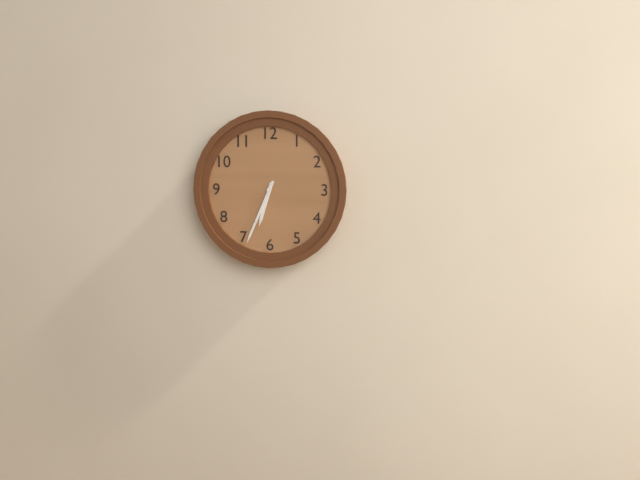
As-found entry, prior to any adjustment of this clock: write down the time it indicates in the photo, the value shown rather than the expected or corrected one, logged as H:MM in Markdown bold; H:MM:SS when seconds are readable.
**6:34**
